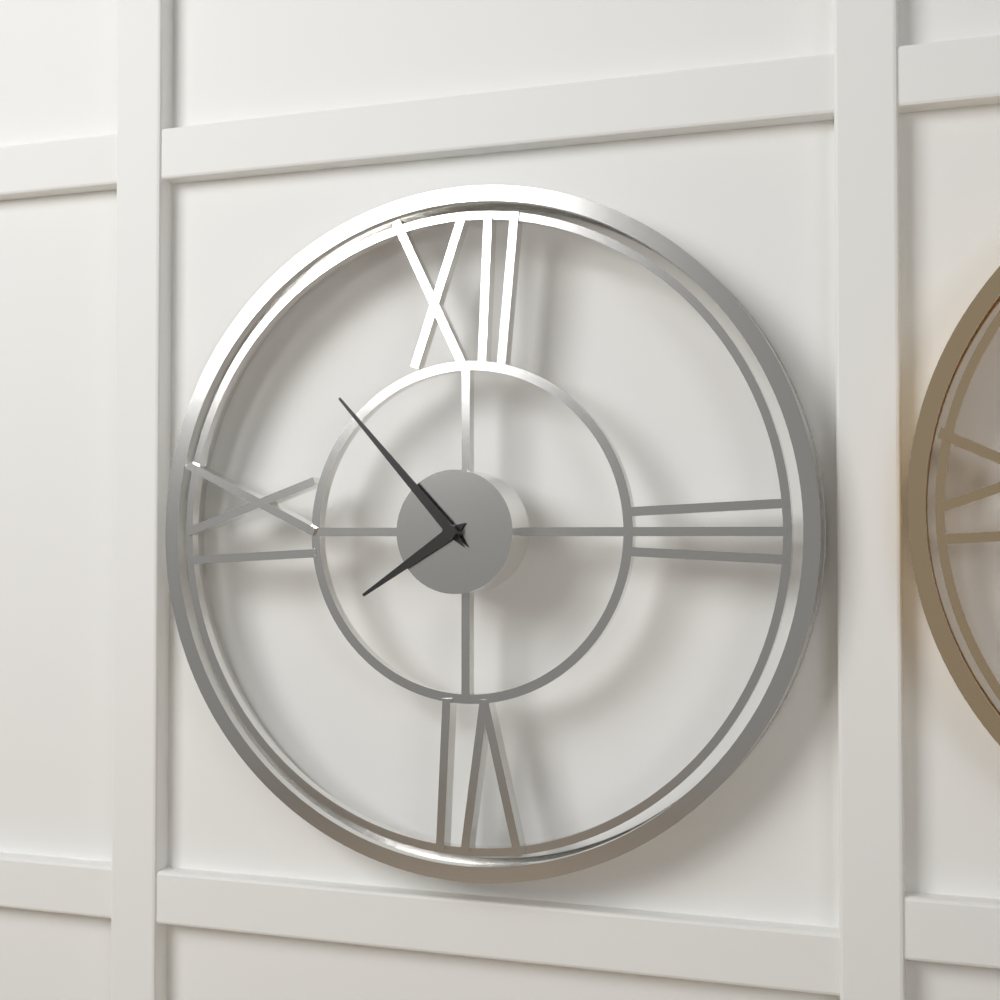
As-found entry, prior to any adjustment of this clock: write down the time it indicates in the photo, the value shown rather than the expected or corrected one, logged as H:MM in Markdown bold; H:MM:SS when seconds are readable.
**7:53**
